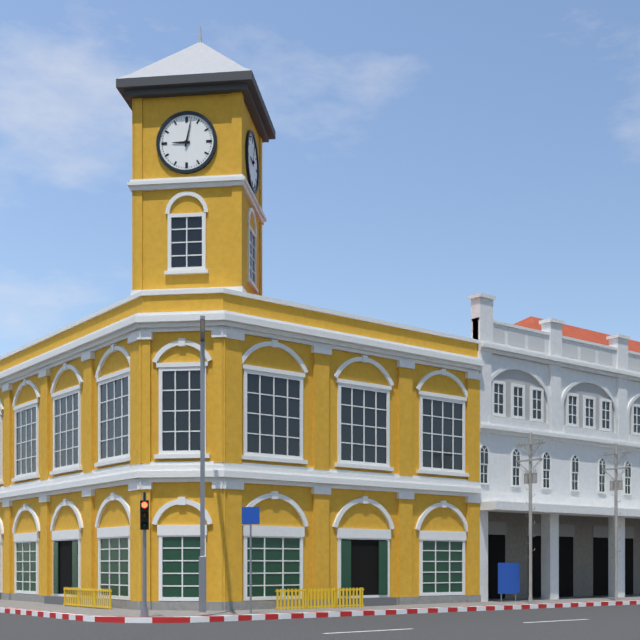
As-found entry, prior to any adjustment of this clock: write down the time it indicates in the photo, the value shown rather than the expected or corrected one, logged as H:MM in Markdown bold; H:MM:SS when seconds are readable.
**9:02**
